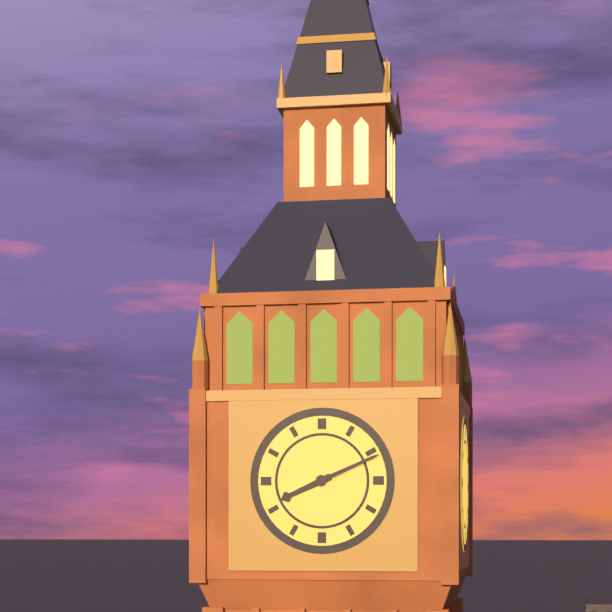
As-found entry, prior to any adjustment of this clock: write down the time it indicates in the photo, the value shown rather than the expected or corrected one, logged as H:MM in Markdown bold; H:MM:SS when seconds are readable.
**8:11**
